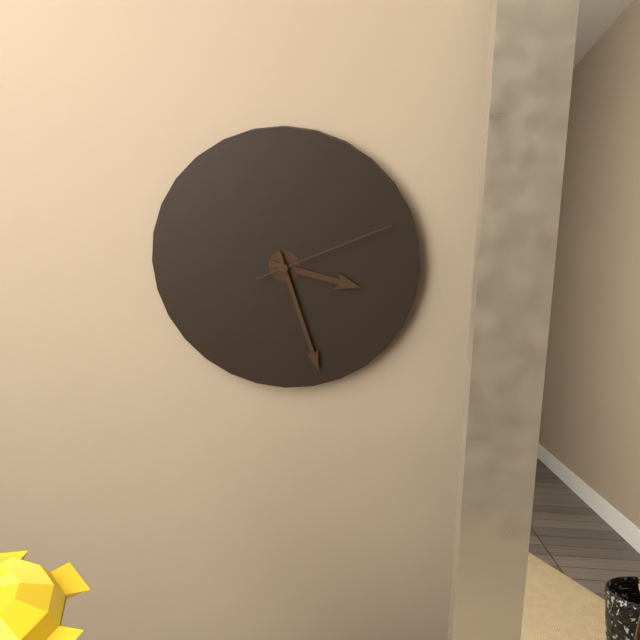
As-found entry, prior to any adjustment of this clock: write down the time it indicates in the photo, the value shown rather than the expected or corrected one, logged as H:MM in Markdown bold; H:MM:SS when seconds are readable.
**3:27:11**
